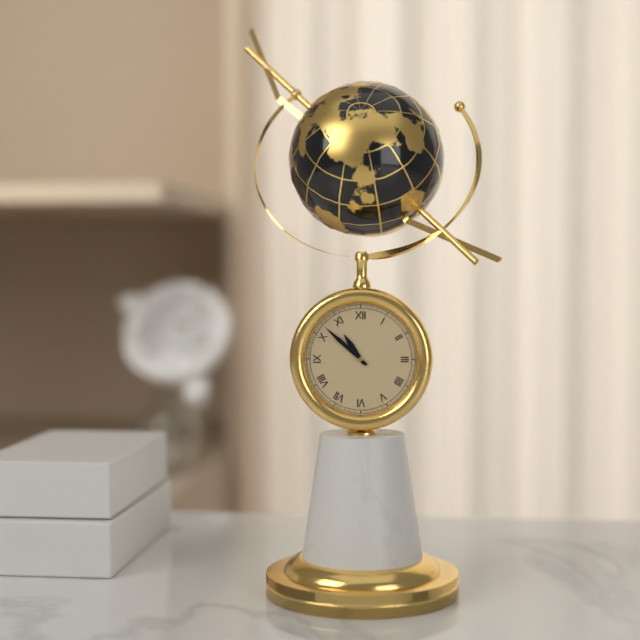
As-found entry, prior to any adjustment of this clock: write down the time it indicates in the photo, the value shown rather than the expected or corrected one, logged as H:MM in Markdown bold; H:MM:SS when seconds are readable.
**10:52**
